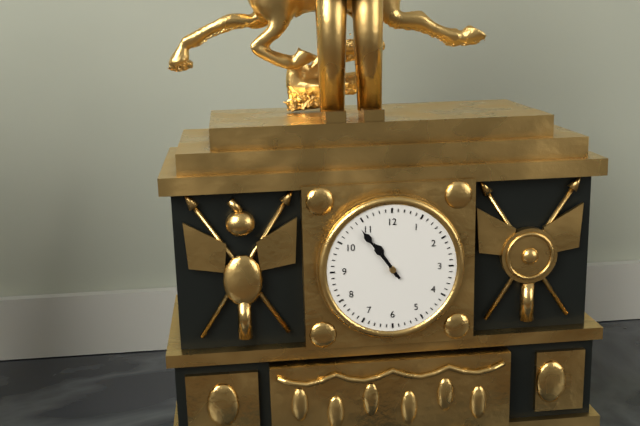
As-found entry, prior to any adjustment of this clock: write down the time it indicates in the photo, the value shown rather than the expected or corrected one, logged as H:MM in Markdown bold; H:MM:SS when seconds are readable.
**10:54**
